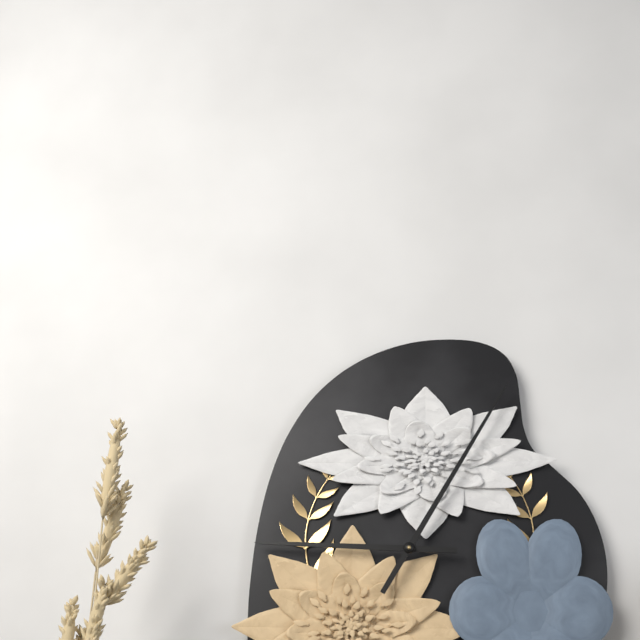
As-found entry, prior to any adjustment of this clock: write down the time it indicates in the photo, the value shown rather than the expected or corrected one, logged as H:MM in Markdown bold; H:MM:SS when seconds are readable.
**9:05**
